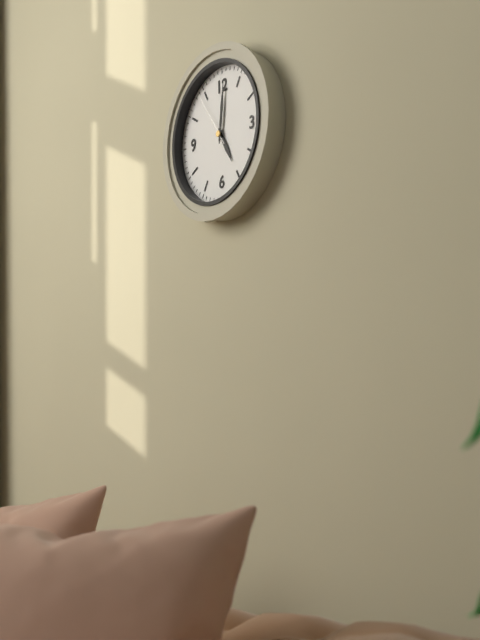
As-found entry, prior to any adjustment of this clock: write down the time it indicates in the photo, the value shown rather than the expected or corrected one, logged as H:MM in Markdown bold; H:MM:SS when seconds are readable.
**5:01:54**
